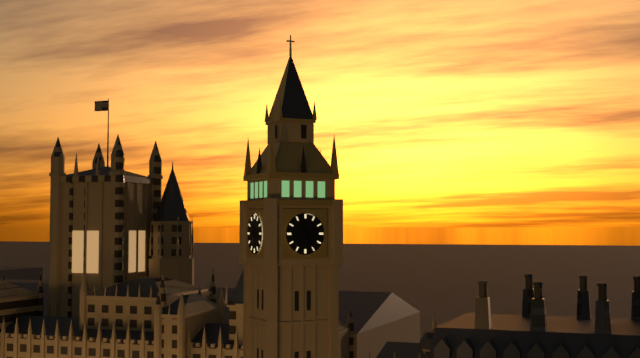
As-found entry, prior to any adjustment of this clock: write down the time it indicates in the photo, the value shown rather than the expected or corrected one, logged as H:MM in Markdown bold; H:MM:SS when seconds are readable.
**11:25**
